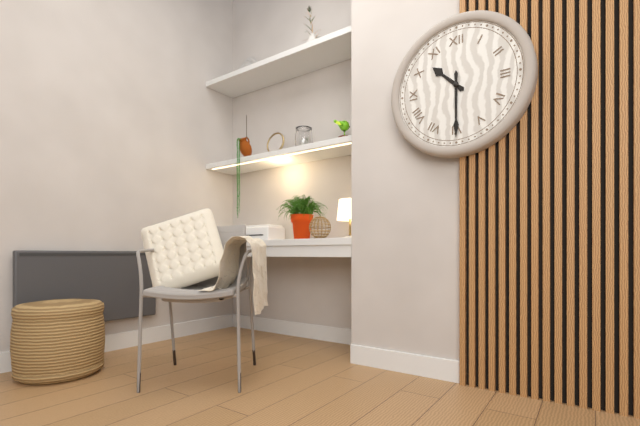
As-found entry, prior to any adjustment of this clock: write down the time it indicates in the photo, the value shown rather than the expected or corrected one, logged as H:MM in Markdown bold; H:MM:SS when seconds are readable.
**10:30**
